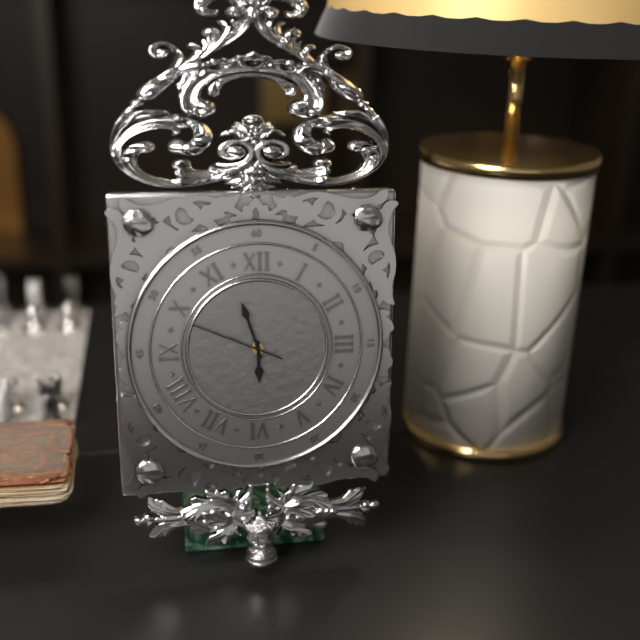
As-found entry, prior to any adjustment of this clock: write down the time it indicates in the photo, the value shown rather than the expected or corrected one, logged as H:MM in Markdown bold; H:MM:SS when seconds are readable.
**5:57:49**
